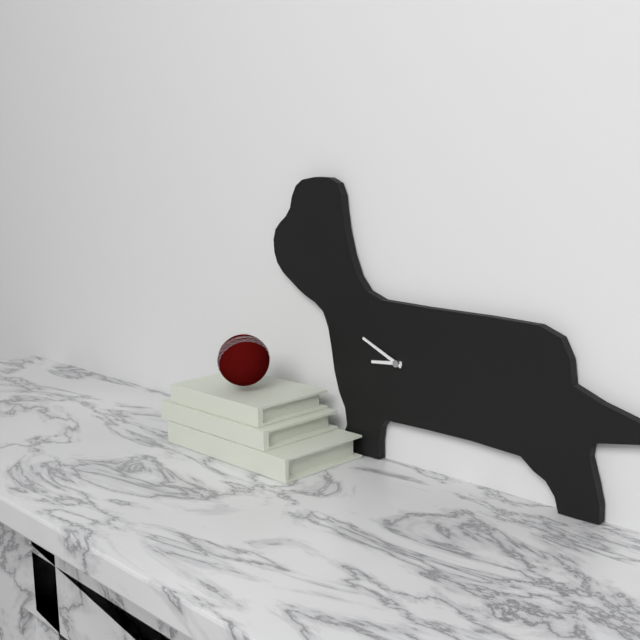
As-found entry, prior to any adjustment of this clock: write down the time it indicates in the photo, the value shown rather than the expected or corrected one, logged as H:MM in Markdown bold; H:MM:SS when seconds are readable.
**8:49**
